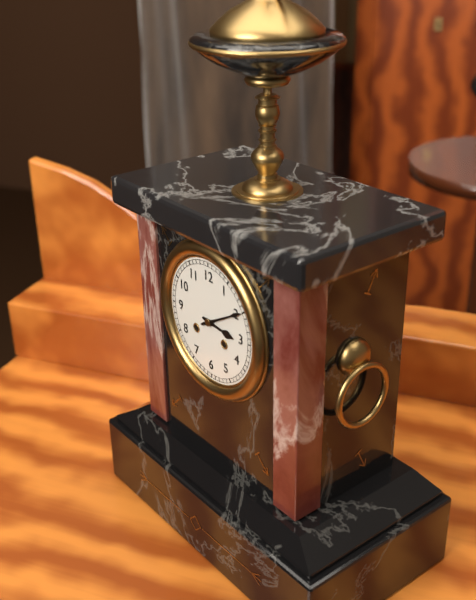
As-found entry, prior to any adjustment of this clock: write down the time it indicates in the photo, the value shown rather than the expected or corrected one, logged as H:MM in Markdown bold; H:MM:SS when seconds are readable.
**3:10**
